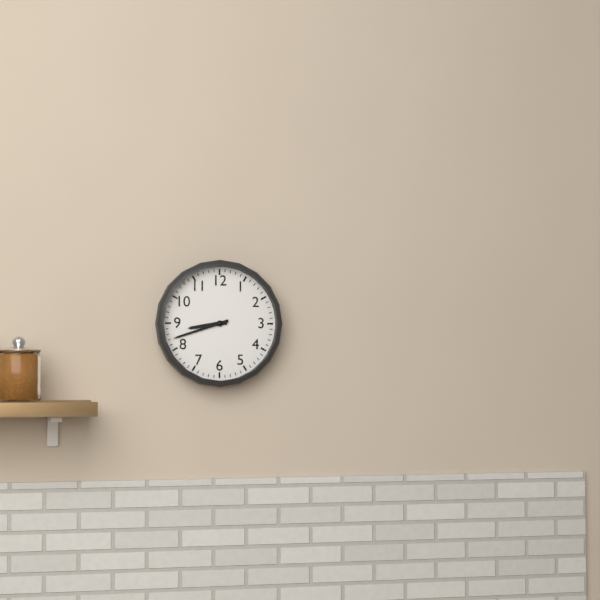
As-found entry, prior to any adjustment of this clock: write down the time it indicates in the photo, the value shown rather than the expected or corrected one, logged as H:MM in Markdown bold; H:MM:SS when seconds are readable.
**8:42**
